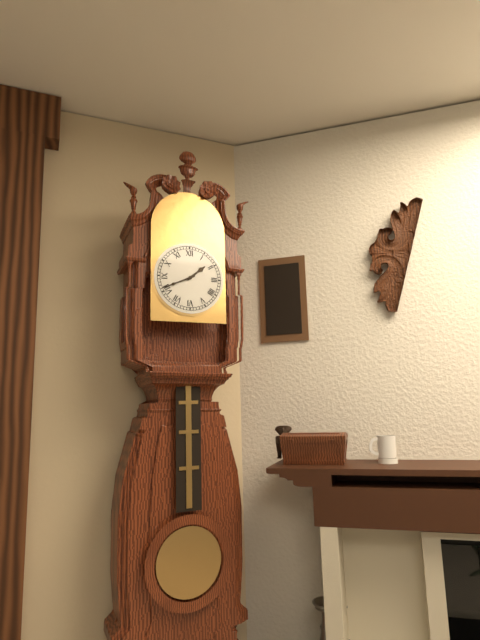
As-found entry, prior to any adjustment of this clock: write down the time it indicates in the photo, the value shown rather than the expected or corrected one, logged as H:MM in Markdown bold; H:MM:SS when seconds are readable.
**1:41**
